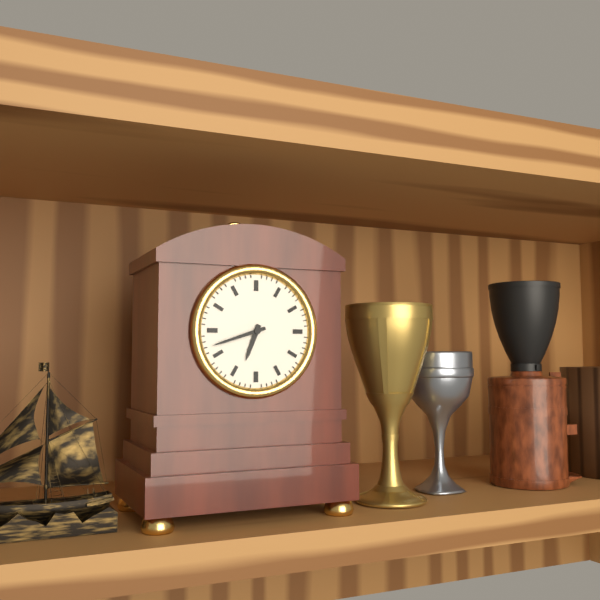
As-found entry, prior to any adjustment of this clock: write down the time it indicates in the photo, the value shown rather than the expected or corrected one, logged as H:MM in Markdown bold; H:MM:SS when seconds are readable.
**6:42**
